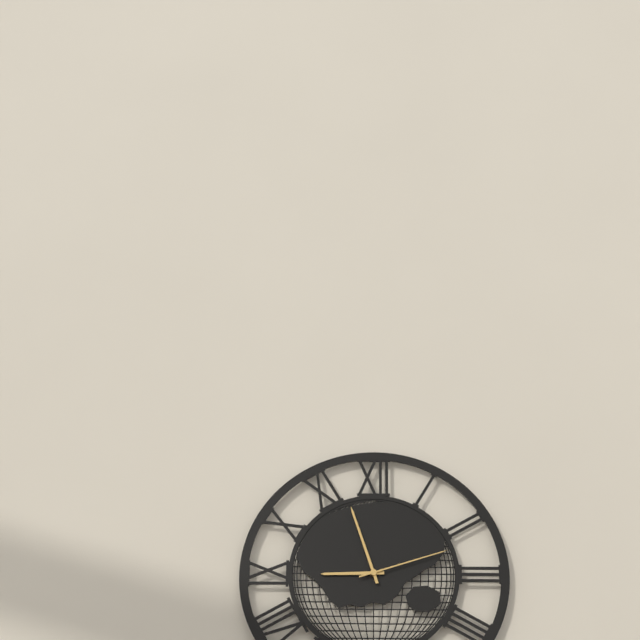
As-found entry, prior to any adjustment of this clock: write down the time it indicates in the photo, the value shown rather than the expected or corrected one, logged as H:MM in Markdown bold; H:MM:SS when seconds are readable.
**8:57:12**
